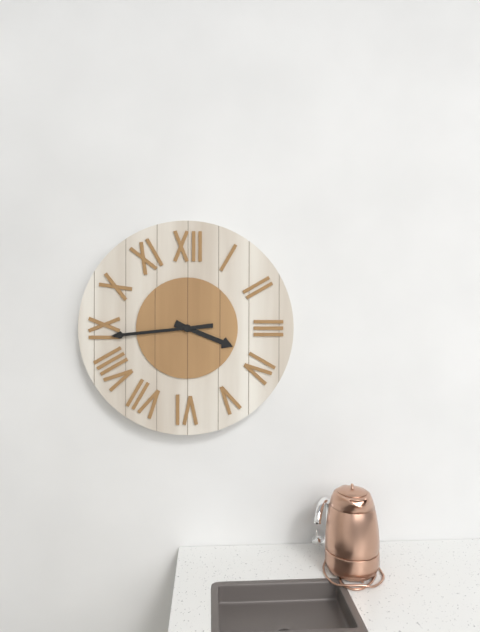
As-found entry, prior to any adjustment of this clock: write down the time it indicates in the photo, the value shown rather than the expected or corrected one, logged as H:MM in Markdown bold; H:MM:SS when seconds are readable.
**3:44**
